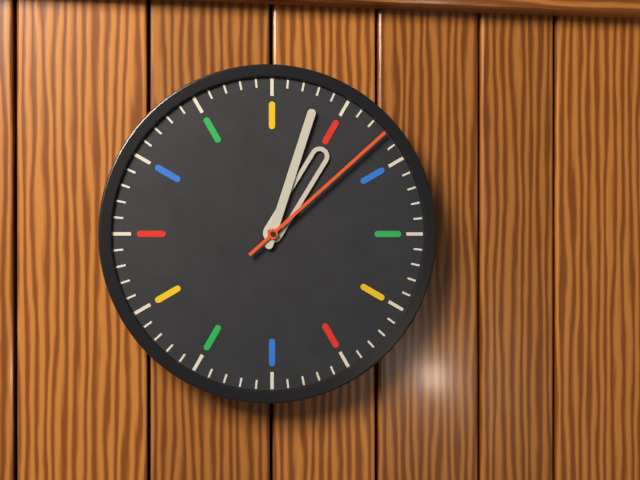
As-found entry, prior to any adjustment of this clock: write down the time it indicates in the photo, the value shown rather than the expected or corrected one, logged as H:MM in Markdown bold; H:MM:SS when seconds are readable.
**1:03:08**
